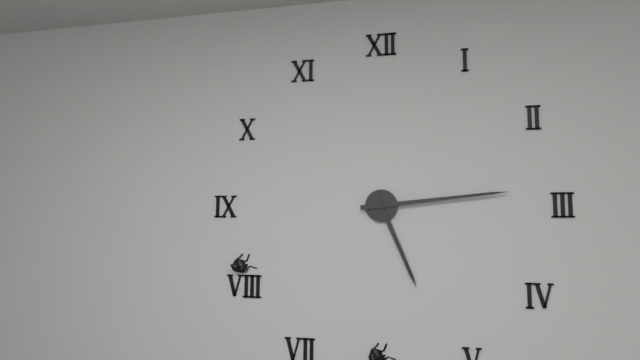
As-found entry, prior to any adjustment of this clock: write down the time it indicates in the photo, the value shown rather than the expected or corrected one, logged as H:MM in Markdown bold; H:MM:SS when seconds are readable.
**5:14**
